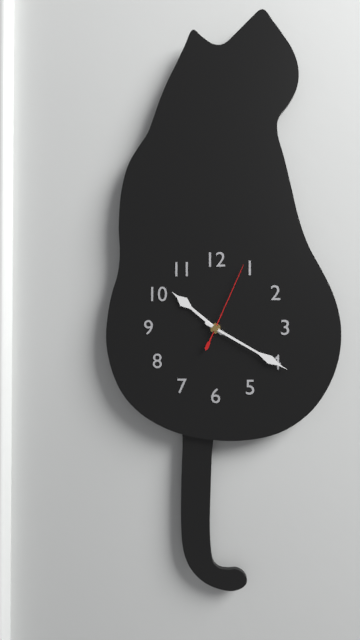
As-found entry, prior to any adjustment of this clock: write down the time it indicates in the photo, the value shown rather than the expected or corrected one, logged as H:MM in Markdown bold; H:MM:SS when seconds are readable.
**10:20:04**
